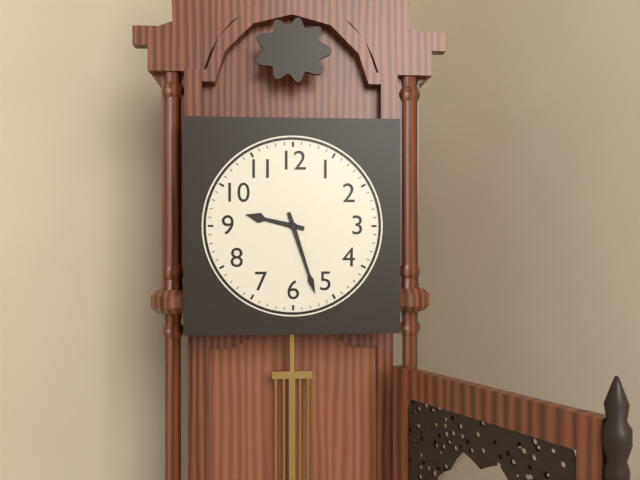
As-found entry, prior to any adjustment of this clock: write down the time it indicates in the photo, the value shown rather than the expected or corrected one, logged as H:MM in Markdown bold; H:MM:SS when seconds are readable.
**9:27**
